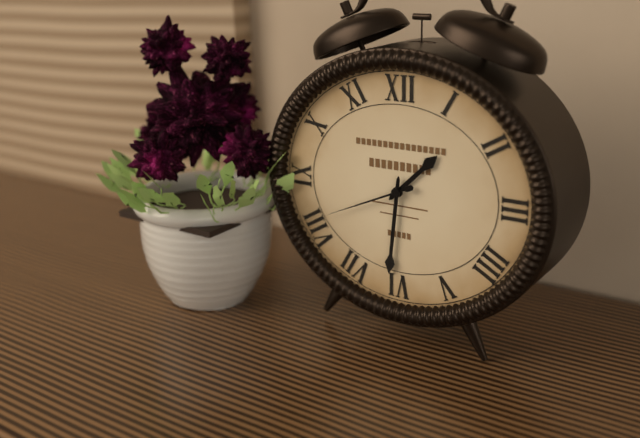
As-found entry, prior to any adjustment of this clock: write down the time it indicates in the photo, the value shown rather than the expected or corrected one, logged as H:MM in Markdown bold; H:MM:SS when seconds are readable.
**1:31:41**
